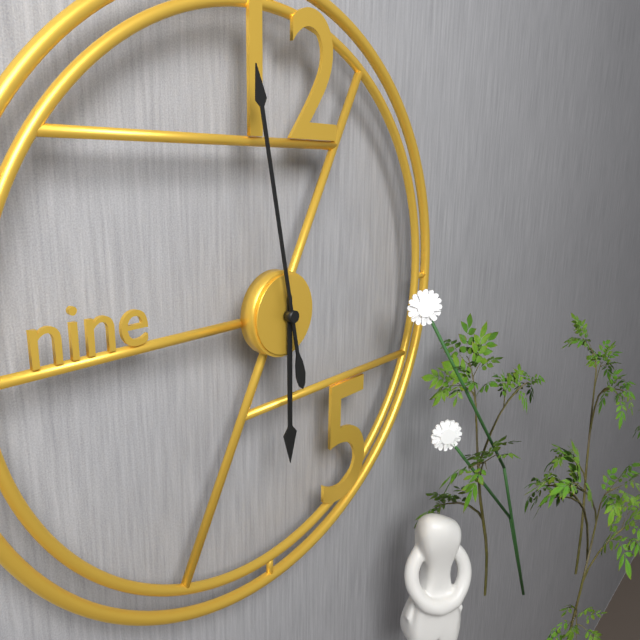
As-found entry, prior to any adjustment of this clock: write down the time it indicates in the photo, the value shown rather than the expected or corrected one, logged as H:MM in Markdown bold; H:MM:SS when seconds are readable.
**5:58**
